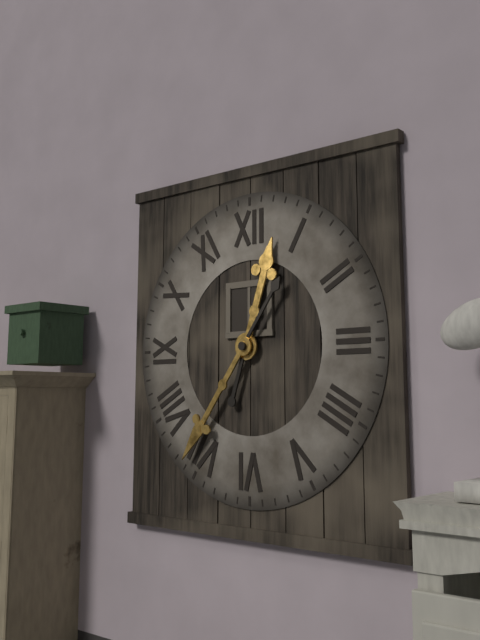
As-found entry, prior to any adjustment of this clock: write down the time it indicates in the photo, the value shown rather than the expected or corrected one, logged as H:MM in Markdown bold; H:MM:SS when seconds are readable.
**12:36**
